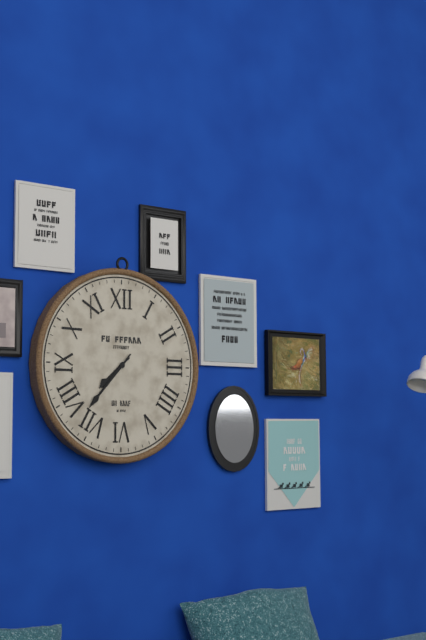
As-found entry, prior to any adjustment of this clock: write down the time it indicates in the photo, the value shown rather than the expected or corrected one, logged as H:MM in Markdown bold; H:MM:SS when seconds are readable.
**7:37**
